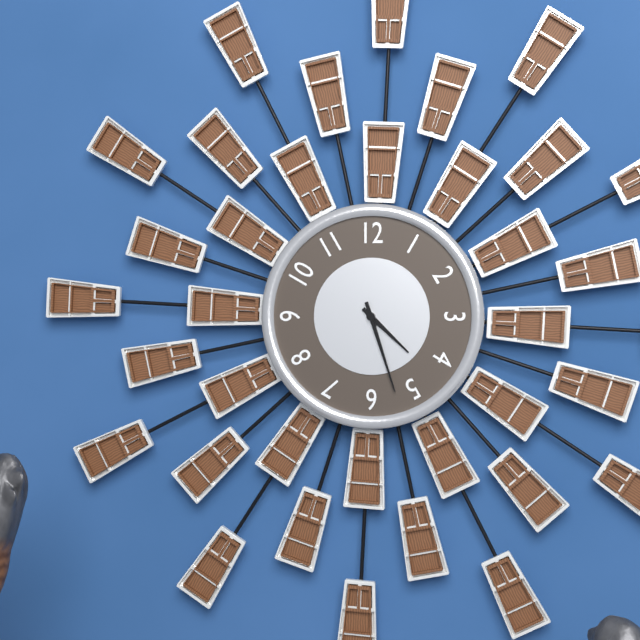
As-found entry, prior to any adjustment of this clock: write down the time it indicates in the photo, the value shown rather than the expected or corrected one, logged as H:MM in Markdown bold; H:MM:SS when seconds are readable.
**4:27**
